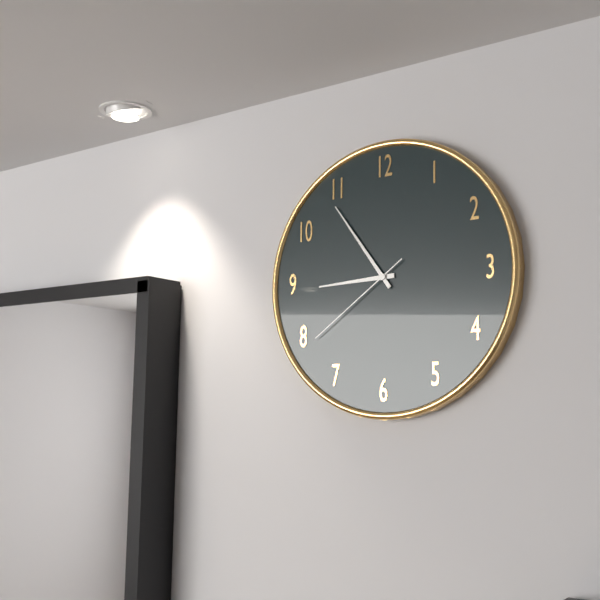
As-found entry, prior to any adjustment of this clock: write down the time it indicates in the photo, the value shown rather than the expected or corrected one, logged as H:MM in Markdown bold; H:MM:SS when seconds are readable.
**8:54:39**
